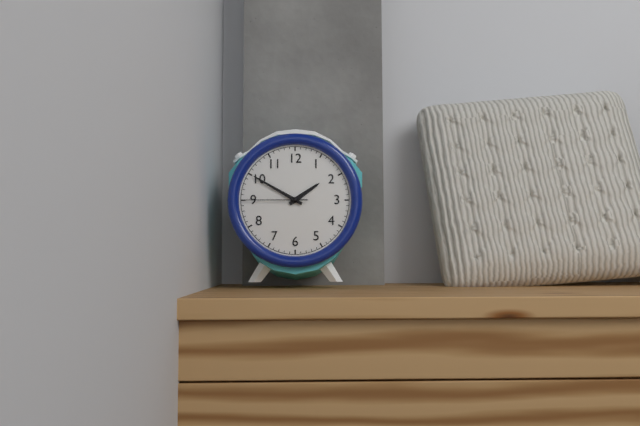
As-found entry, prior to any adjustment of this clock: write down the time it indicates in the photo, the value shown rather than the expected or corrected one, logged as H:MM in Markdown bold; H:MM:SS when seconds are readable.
**1:50:45**
